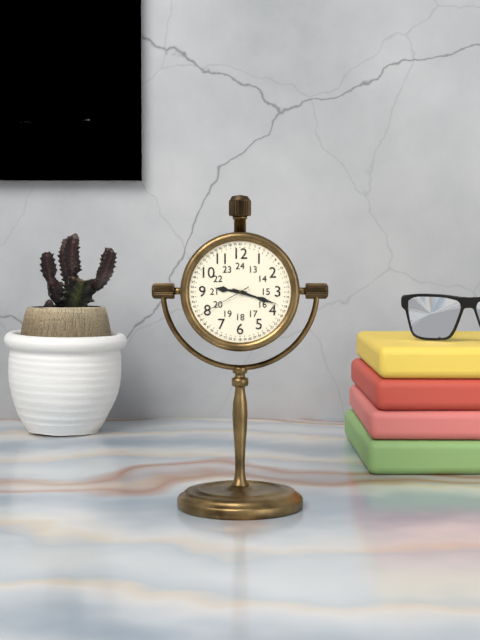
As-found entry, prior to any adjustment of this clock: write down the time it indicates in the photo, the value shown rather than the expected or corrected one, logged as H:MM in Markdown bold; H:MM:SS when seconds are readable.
**9:18:40**
